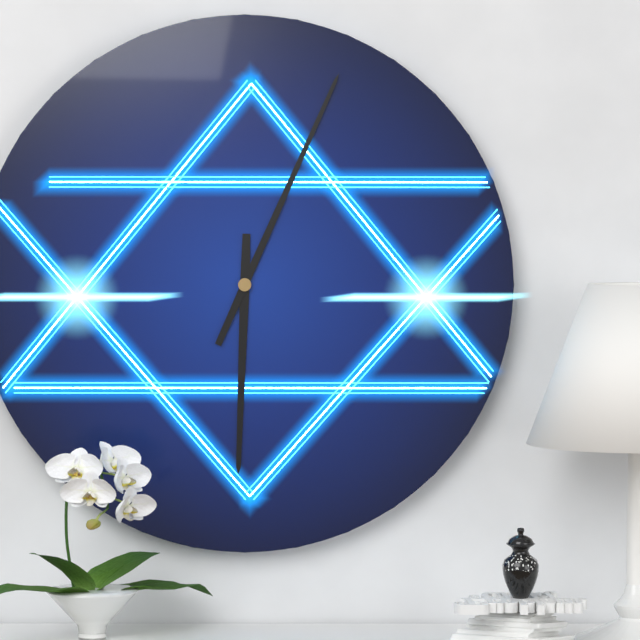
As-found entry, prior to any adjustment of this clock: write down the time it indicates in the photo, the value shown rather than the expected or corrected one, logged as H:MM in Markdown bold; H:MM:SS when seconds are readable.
**6:04**
